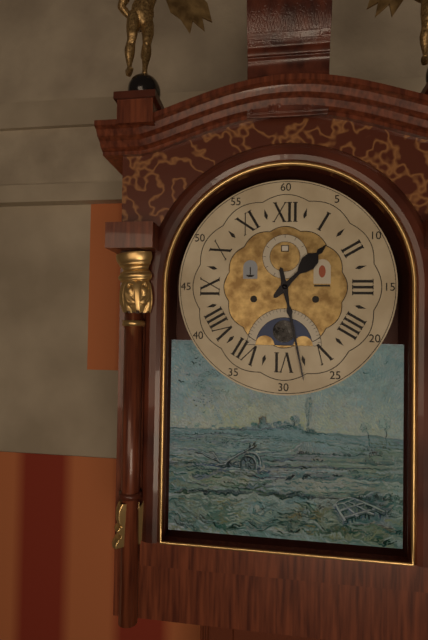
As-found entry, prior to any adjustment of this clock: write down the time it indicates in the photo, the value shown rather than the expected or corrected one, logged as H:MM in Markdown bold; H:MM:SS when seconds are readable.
**1:28**
